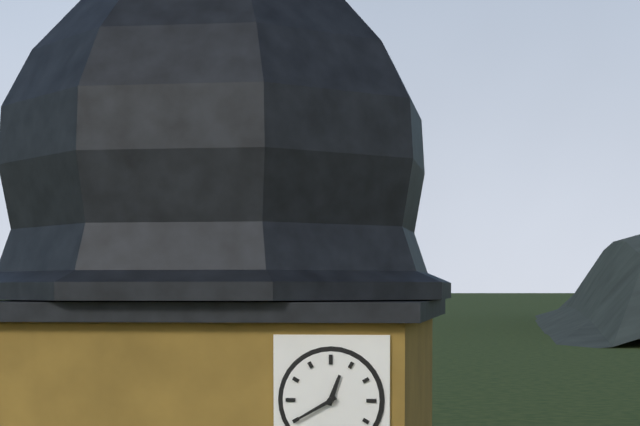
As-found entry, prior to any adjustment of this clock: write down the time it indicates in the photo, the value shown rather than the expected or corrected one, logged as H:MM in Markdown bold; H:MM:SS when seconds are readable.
**12:40**
